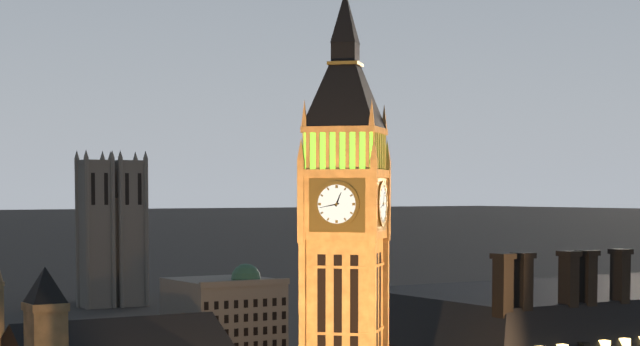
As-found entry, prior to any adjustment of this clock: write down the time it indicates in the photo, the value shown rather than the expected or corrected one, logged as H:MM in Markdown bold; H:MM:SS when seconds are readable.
**12:43**
